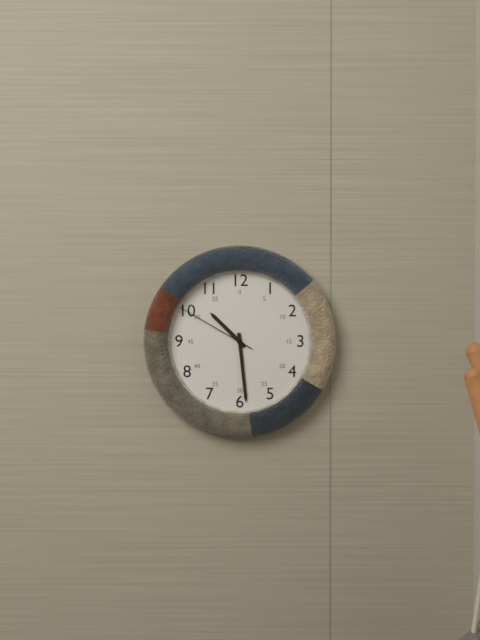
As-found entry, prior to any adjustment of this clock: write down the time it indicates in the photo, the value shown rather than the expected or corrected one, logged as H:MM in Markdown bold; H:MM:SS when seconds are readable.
**10:29:50**
